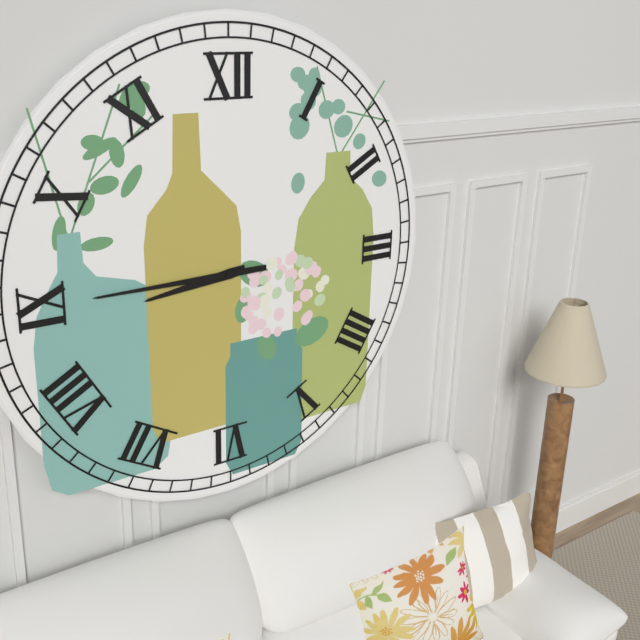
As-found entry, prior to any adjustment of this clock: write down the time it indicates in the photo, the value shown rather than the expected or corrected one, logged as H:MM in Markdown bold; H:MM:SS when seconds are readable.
**8:45**
